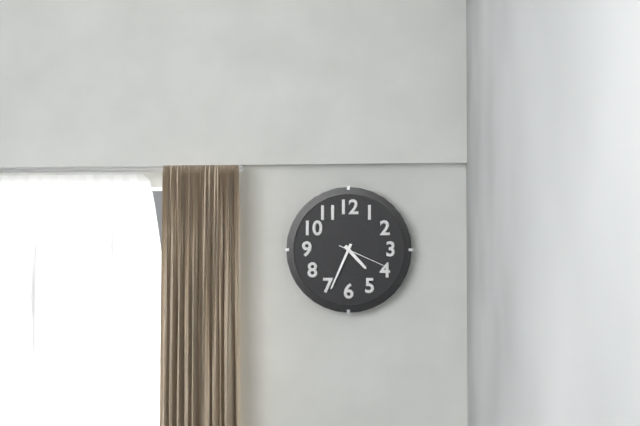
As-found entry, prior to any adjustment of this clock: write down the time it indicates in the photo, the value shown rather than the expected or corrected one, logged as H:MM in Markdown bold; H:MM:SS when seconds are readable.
**4:34**
